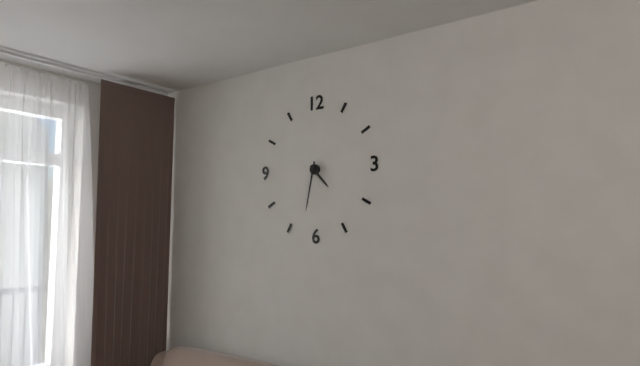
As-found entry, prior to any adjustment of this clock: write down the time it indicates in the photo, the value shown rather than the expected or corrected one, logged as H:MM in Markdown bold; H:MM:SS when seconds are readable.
**4:32**
